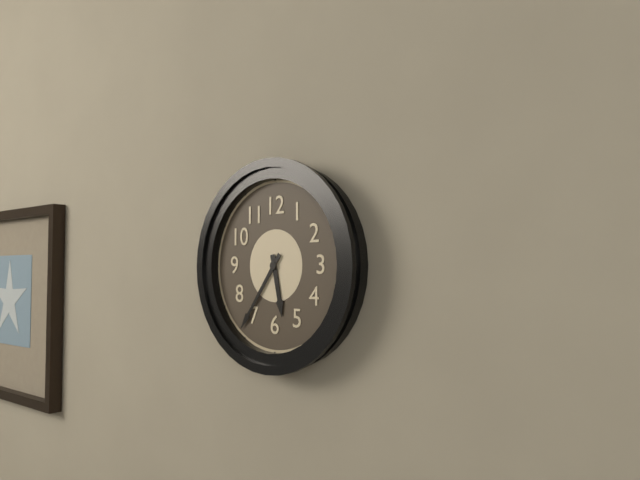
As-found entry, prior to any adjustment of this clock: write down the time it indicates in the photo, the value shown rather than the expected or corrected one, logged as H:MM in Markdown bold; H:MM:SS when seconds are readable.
**5:36**
